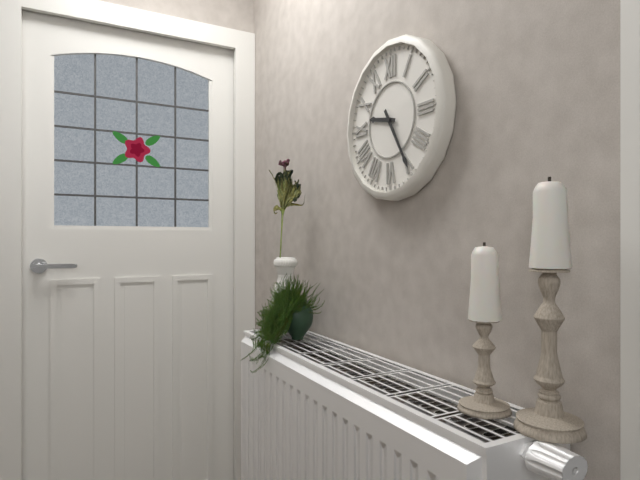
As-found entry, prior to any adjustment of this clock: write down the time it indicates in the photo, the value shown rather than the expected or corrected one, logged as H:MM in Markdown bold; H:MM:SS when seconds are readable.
**9:25**
